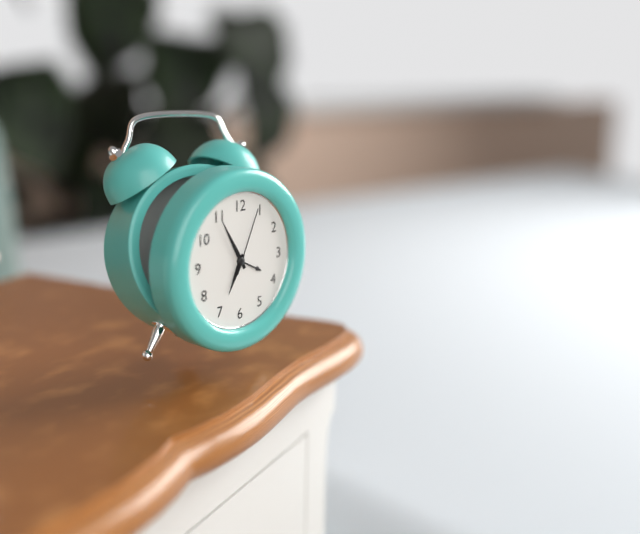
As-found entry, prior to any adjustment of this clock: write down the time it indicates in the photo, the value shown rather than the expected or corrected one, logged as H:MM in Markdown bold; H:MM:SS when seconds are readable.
**6:55:04**
